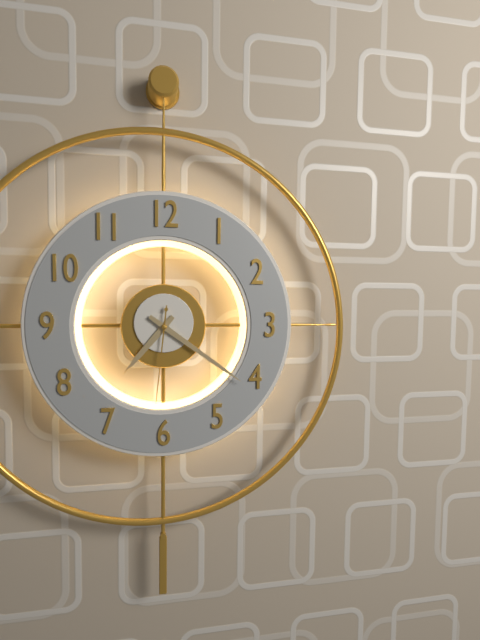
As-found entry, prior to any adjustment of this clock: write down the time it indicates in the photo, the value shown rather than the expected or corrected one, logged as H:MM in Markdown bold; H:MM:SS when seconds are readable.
**7:21:31**
